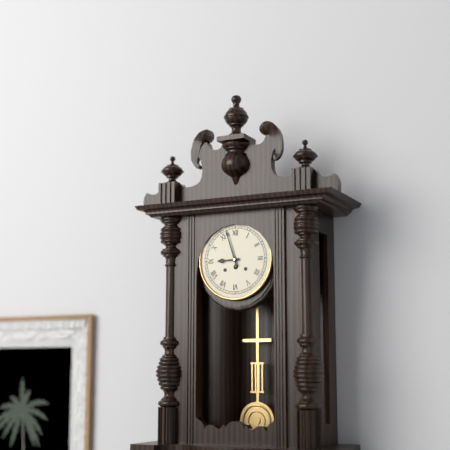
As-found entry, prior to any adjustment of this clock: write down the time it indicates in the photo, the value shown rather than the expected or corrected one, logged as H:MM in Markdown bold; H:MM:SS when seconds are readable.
**8:57**
